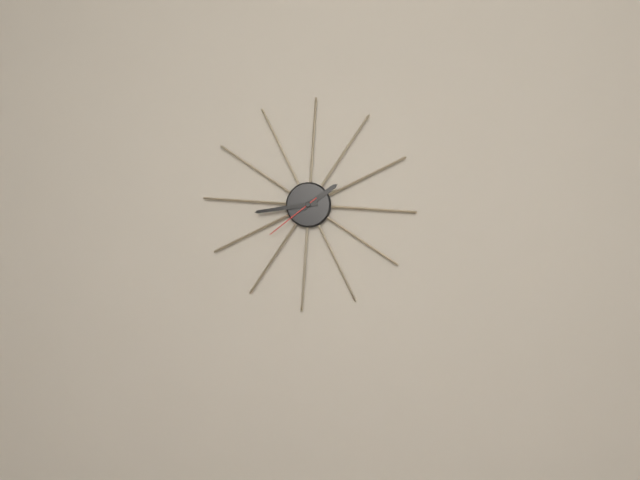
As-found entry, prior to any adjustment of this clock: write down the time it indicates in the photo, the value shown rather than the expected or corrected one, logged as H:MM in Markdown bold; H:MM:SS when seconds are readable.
**1:43:38**
